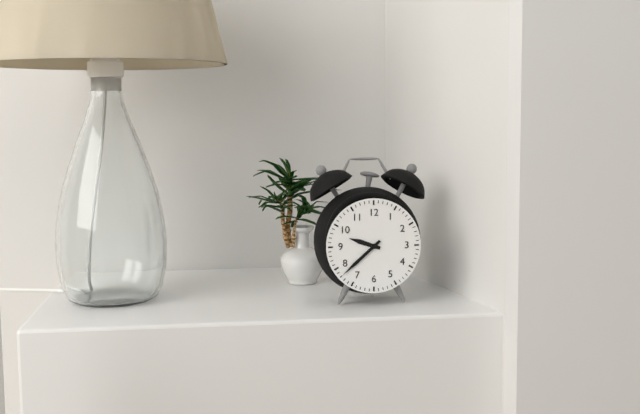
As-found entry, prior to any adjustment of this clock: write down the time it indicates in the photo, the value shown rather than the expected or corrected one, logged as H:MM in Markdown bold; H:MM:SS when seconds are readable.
**9:38**
